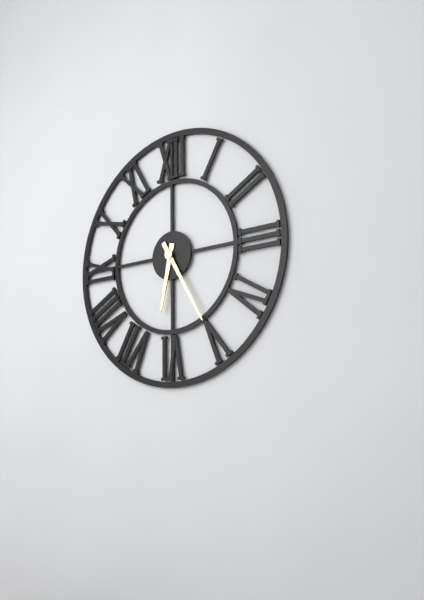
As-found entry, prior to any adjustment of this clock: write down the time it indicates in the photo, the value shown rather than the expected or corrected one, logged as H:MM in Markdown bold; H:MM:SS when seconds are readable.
**6:25**
